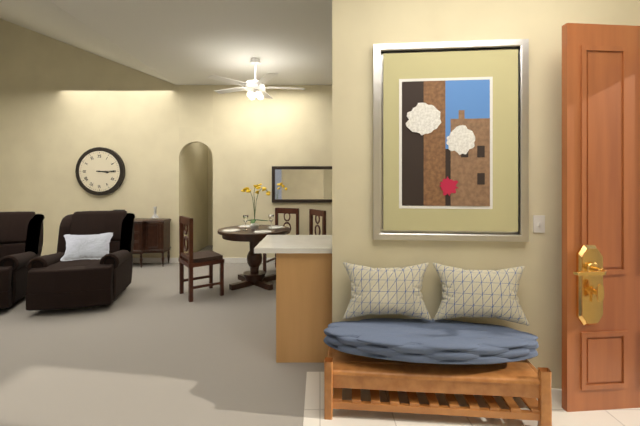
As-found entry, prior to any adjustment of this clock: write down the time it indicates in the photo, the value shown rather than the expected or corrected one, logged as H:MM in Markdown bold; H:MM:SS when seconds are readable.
**3:15**
